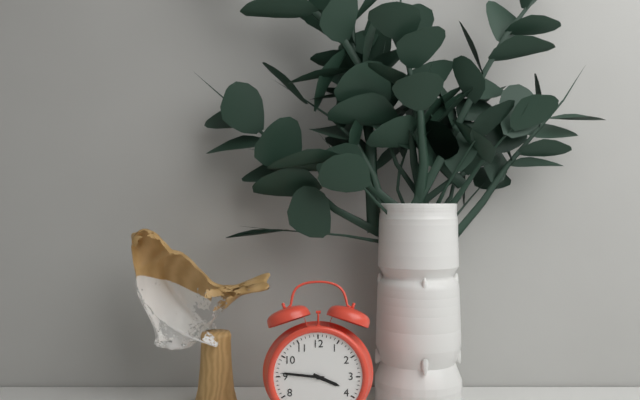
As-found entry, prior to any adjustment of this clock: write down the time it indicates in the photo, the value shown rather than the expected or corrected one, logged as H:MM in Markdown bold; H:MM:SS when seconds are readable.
**3:46**
